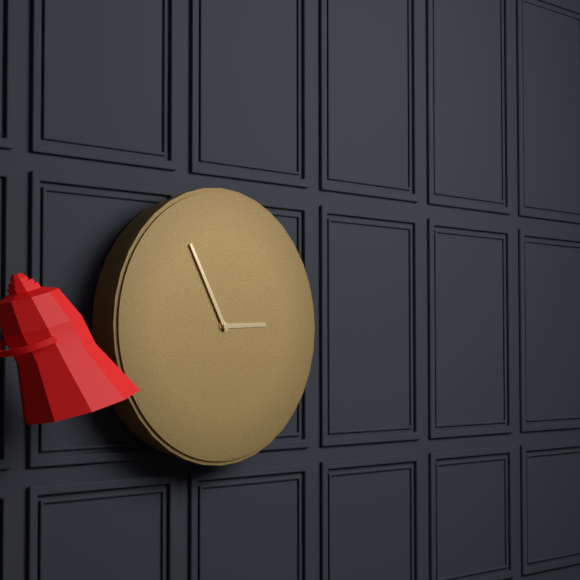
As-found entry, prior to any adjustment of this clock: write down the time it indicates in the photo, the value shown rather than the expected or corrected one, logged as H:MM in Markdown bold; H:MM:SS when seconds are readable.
**2:55**
